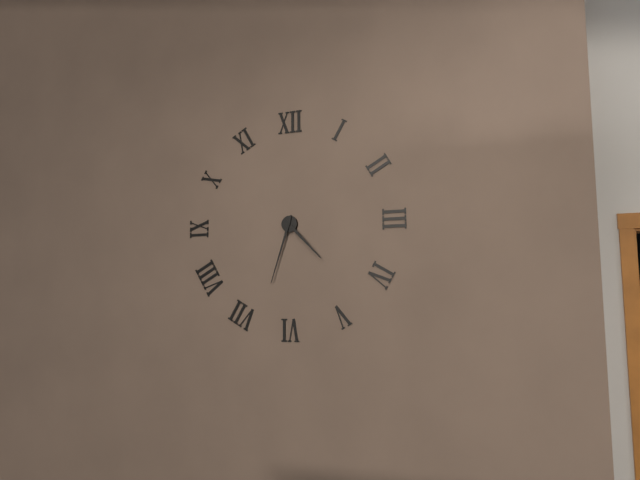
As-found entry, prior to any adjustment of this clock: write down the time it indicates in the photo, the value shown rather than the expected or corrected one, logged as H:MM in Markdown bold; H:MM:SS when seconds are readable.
**4:33**
